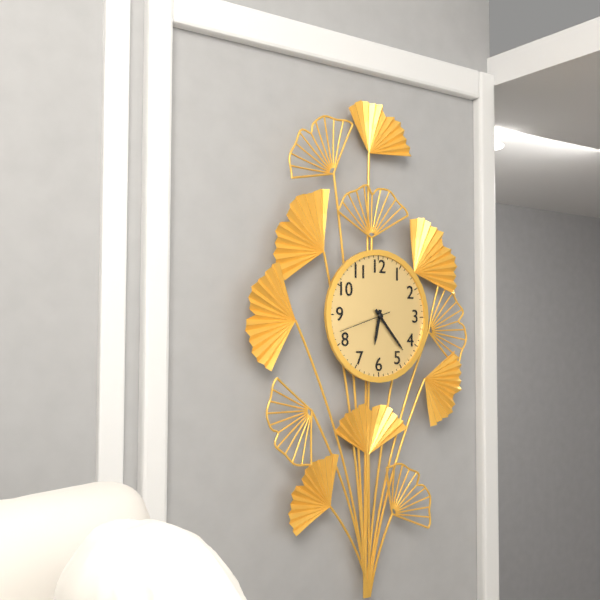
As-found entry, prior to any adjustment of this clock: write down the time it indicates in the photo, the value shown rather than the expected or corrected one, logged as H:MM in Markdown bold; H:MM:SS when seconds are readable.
**6:23:42**
